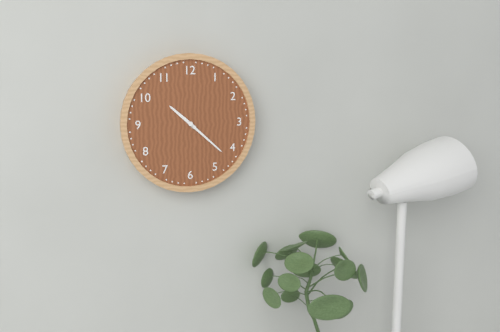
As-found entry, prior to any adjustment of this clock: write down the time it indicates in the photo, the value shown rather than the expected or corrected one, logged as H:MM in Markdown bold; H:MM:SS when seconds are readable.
**10:22**
